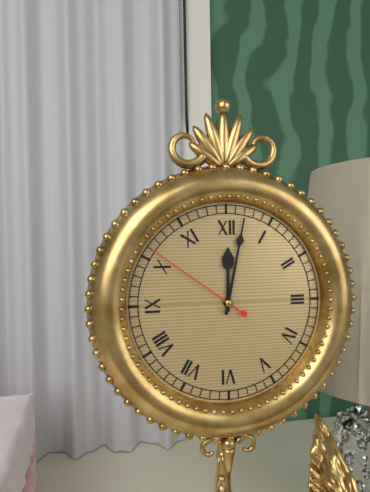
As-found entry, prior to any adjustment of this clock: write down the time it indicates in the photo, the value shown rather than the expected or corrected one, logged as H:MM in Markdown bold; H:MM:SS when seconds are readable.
**12:02:51**
